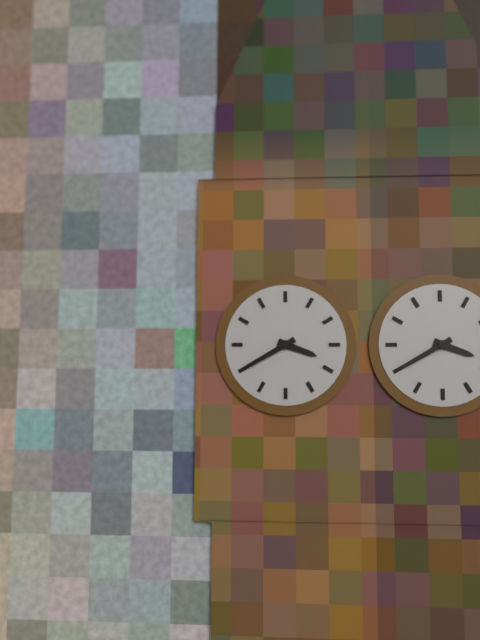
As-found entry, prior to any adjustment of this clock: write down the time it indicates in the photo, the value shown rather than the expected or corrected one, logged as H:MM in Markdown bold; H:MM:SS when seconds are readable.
**3:40**
